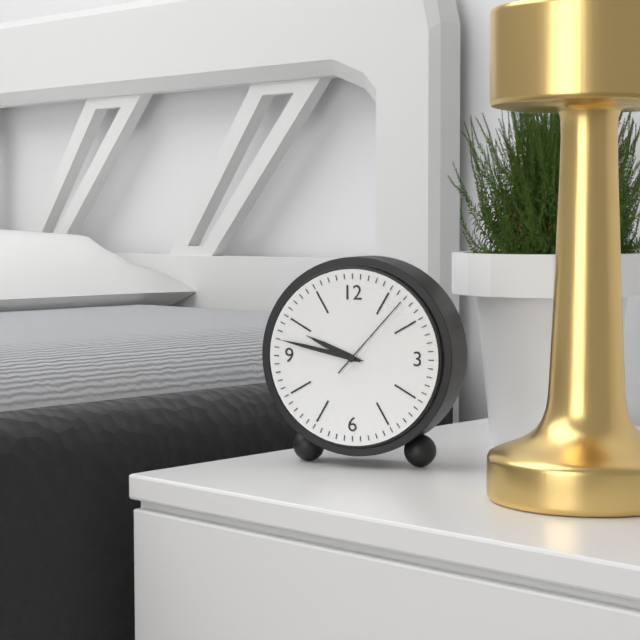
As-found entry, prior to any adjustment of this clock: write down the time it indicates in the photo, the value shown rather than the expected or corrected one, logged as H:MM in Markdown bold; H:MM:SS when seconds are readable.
**9:47:07**
